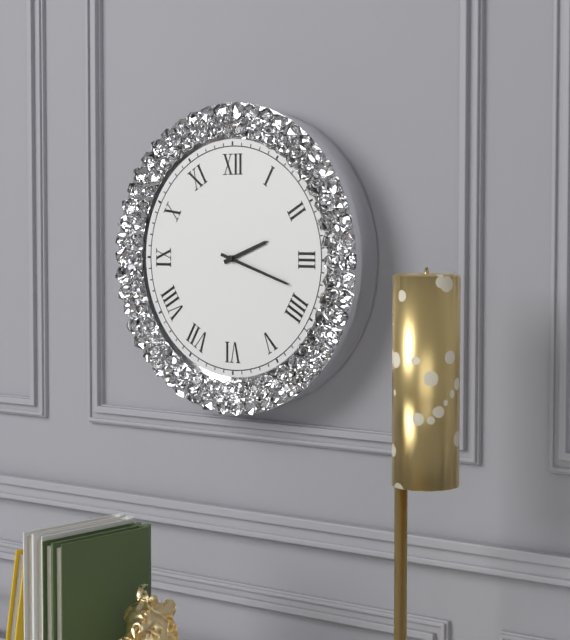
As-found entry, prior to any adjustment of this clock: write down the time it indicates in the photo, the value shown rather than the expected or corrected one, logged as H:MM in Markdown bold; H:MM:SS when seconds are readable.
**2:18**
